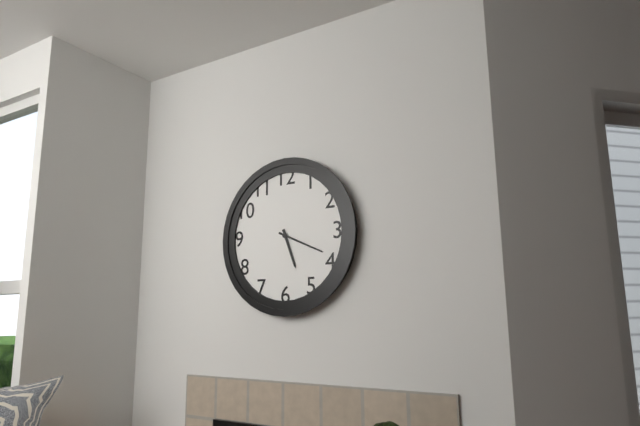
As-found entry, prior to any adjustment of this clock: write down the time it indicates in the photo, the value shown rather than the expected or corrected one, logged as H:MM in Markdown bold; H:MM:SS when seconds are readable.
**5:19**
